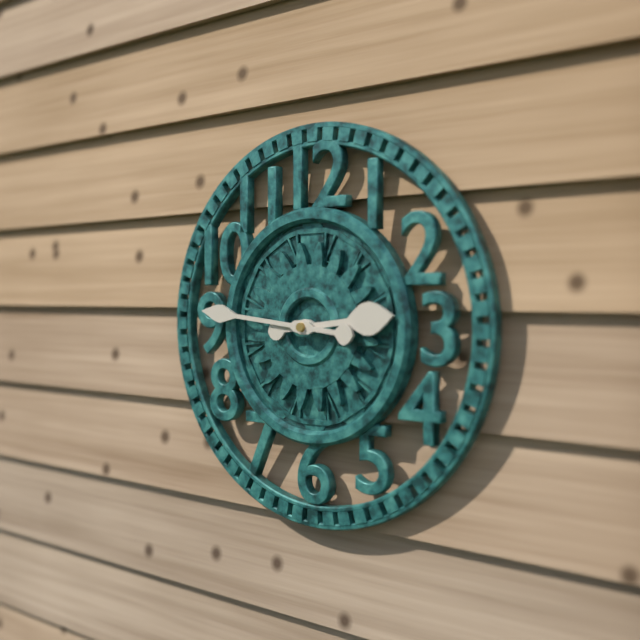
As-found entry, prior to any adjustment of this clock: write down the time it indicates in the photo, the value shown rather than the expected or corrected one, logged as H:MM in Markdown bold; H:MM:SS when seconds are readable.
**2:46**
